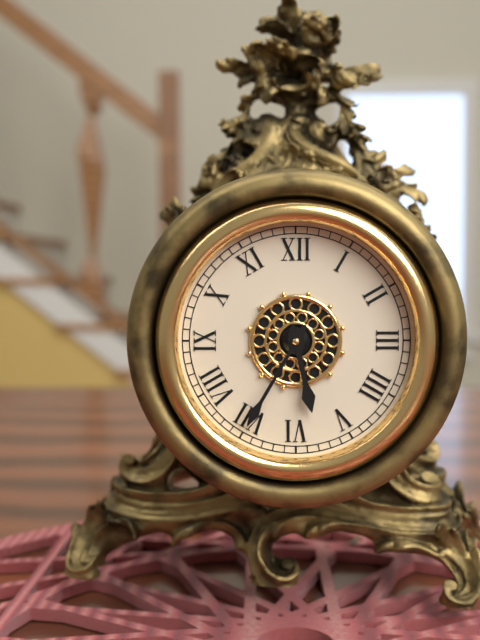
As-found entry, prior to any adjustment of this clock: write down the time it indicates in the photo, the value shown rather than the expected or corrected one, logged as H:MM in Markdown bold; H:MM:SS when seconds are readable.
**5:35**
